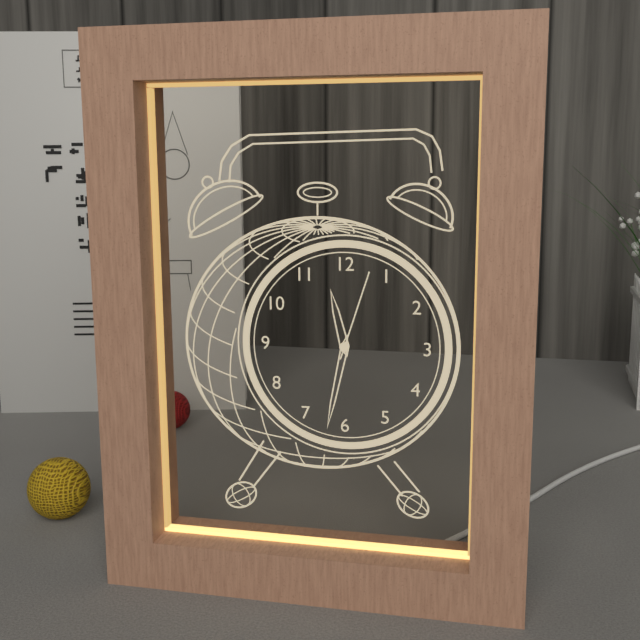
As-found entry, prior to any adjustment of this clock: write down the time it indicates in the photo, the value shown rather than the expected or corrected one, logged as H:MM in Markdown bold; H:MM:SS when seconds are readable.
**11:32:03**
